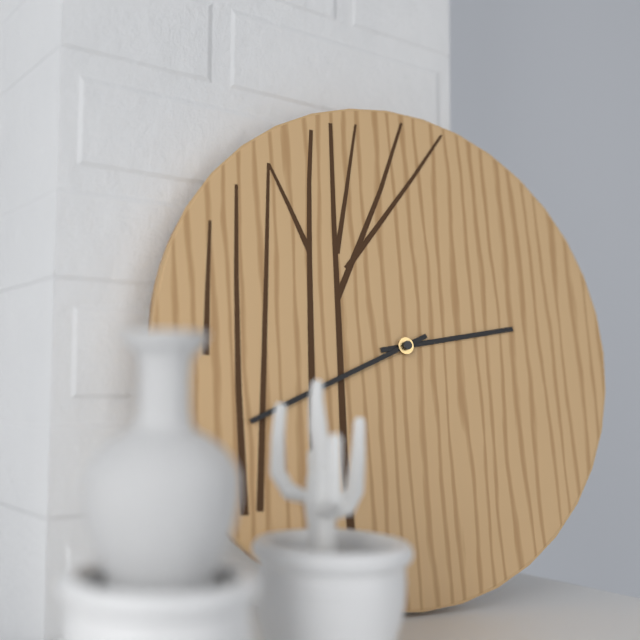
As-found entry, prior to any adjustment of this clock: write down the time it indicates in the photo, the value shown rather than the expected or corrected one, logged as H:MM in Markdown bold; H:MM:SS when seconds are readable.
**2:41**
